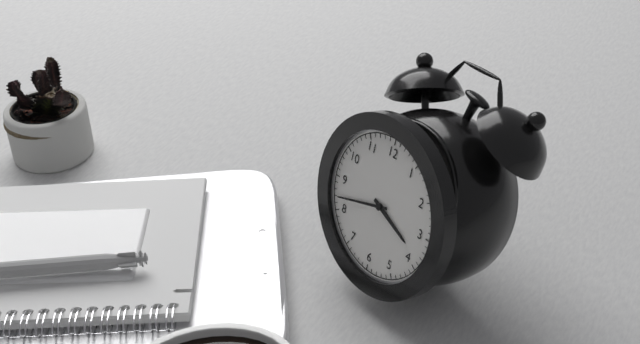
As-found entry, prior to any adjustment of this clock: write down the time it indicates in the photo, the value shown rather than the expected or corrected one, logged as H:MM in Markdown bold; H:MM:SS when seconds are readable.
**3:42**
